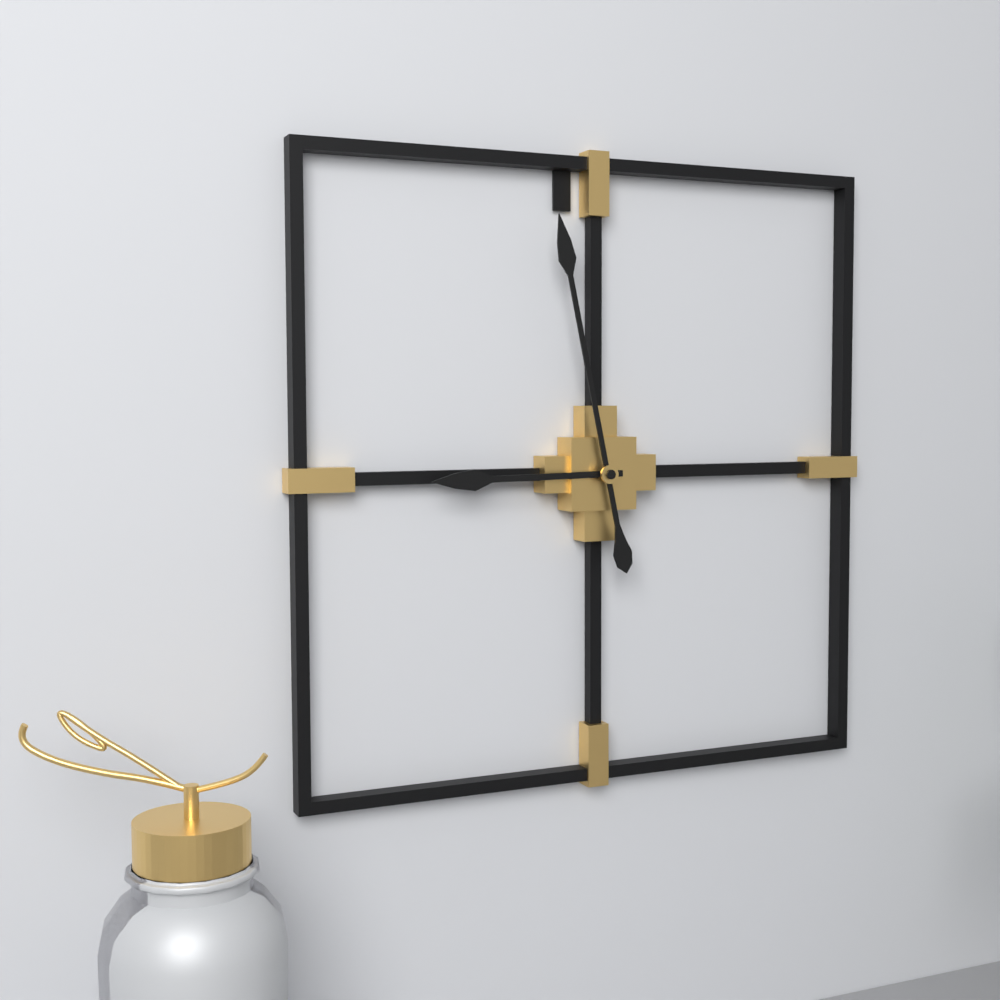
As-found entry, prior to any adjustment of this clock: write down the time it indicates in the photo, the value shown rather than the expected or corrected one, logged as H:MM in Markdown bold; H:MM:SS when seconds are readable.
**8:58**
